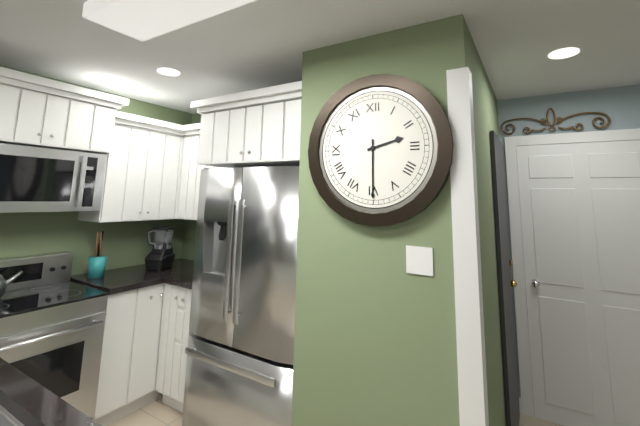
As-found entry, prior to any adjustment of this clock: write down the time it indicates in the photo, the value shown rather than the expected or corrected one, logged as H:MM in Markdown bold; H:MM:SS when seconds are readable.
**2:30**
